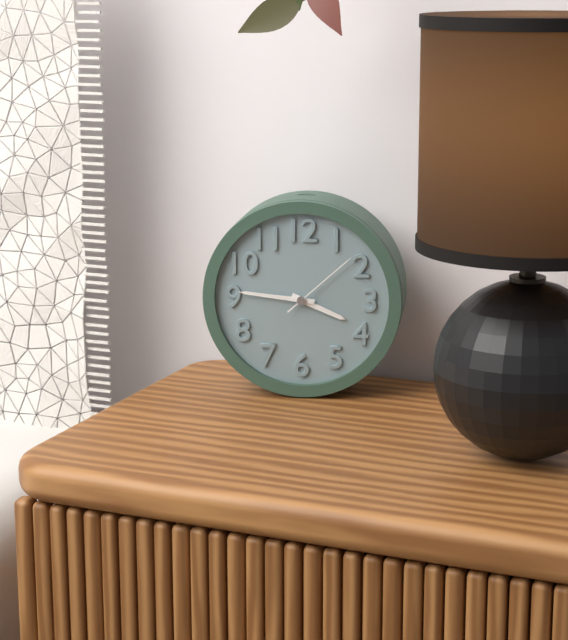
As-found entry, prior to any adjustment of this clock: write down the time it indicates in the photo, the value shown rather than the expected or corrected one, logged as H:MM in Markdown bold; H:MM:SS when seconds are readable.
**3:46:08**
